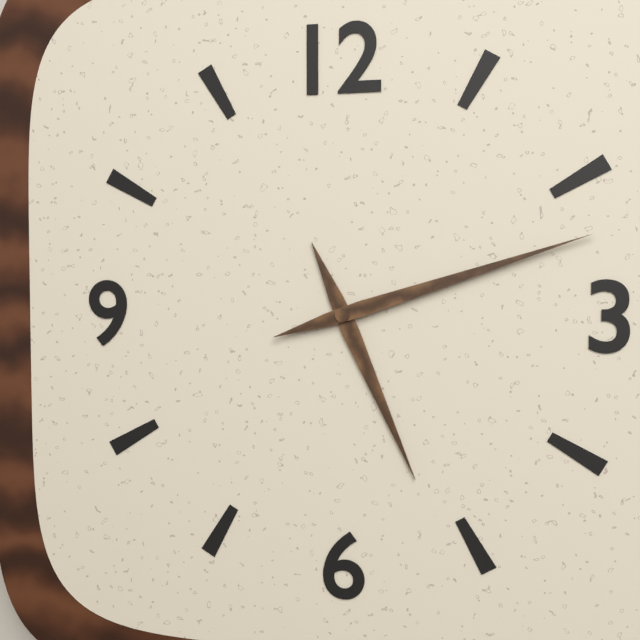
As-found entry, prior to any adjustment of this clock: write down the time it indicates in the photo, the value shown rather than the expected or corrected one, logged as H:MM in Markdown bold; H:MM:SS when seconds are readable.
**5:12**
